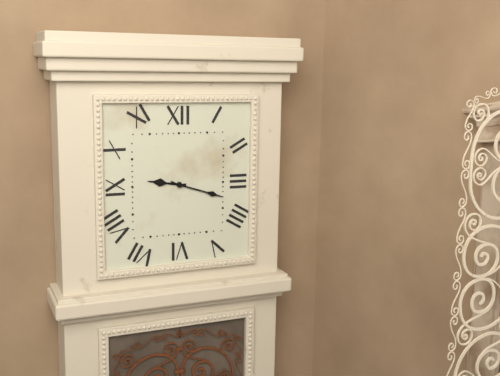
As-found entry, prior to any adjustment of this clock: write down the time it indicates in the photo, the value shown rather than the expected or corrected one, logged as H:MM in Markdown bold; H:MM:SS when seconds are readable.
**9:18**
